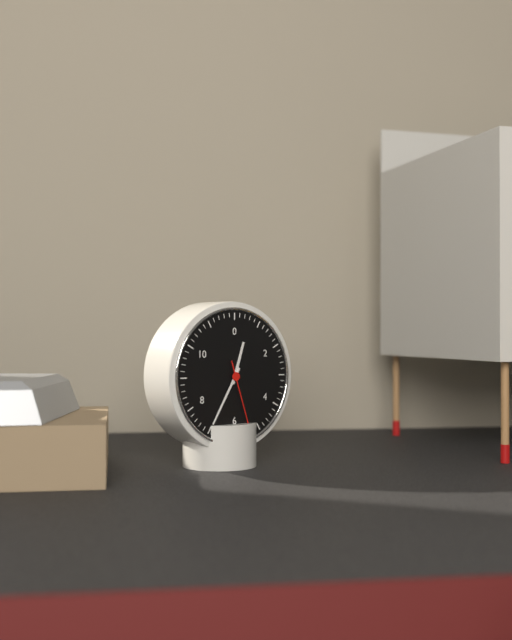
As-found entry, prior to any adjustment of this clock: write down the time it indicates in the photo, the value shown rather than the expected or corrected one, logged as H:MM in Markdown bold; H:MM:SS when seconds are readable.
**12:35:27**
